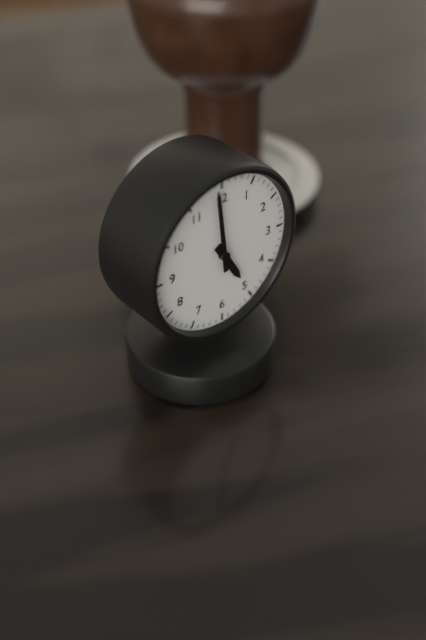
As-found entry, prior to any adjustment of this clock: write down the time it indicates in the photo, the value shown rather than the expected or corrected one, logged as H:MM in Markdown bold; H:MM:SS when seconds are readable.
**4:59**
